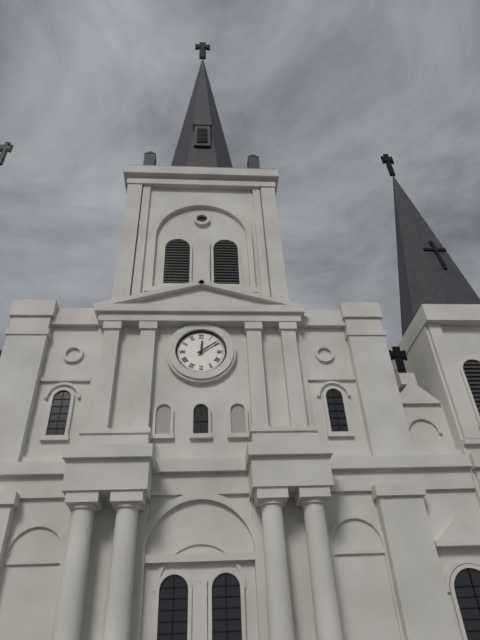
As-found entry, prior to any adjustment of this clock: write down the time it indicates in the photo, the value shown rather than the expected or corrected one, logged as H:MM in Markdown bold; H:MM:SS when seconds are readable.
**12:09**
